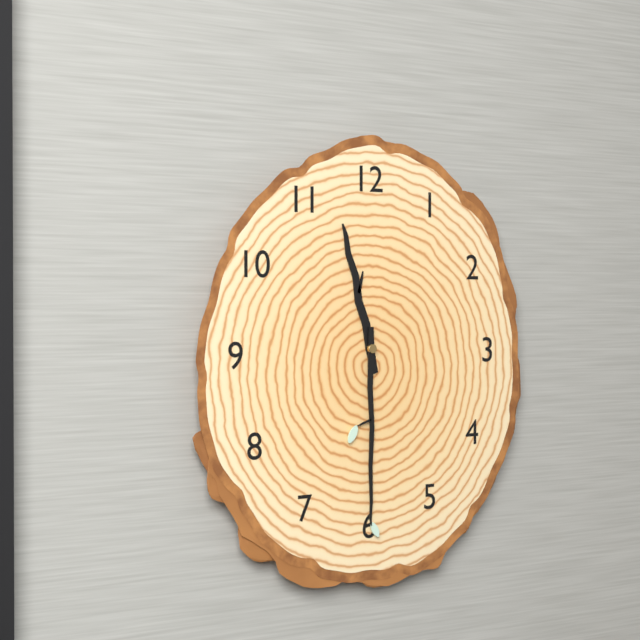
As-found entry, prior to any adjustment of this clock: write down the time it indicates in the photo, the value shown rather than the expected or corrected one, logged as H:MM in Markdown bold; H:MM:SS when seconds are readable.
**11:30**
